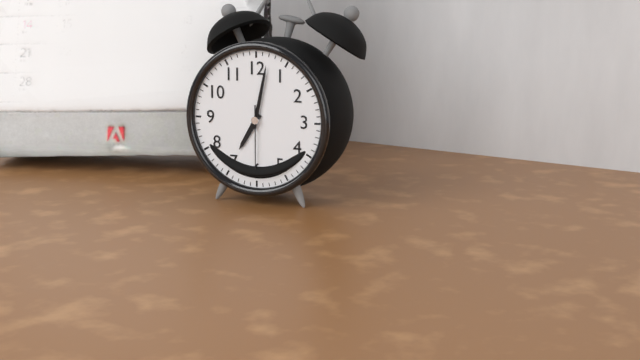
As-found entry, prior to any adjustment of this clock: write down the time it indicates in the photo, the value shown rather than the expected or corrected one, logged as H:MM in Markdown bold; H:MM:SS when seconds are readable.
**7:02:30**
